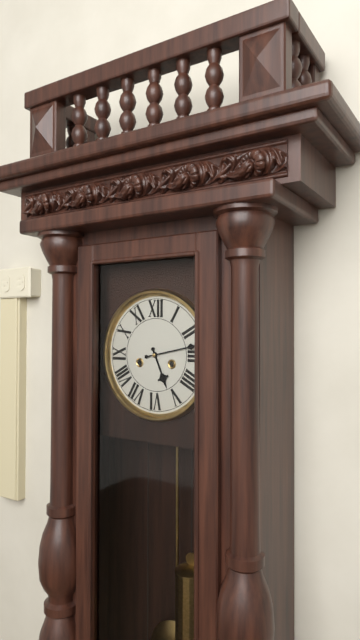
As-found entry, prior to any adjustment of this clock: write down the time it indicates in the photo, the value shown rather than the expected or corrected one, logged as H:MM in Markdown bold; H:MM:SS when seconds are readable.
**5:13**
